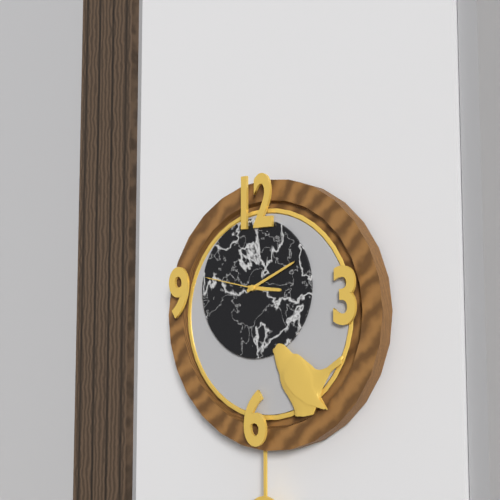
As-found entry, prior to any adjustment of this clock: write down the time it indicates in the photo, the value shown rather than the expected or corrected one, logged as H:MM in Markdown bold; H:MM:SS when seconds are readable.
**3:11:47**
